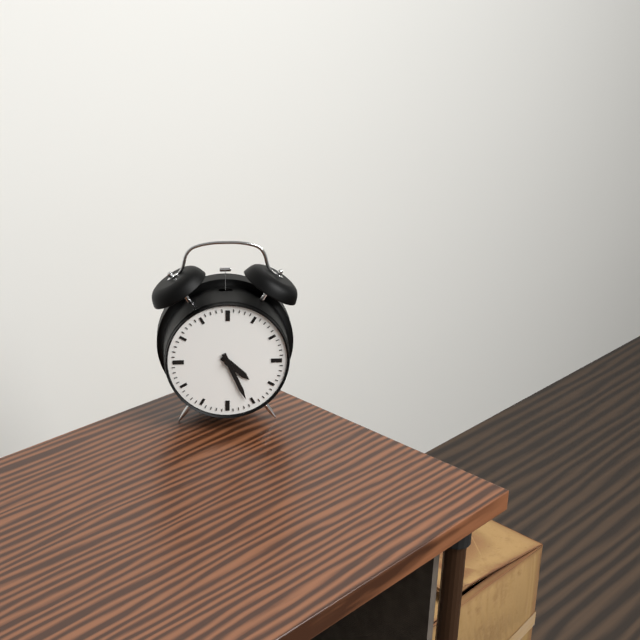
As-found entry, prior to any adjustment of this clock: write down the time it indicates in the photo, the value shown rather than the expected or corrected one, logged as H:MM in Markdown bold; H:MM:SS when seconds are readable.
**4:26**
